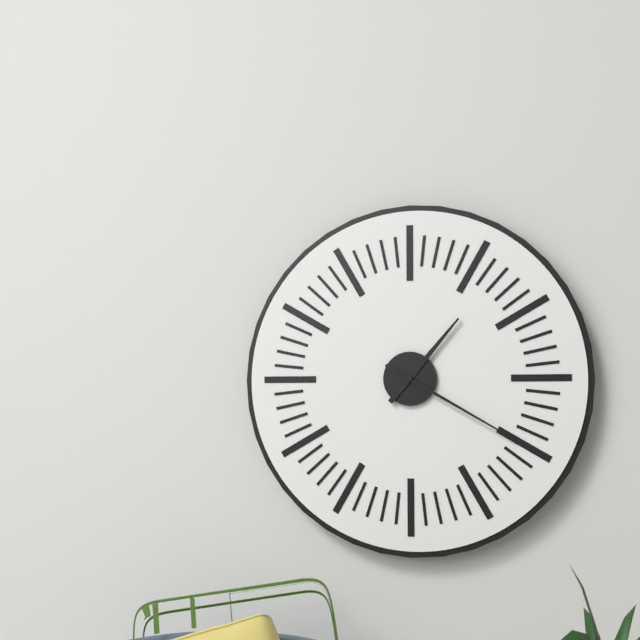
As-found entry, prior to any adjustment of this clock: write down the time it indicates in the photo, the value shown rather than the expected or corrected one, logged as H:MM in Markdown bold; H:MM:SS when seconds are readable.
**1:20**
